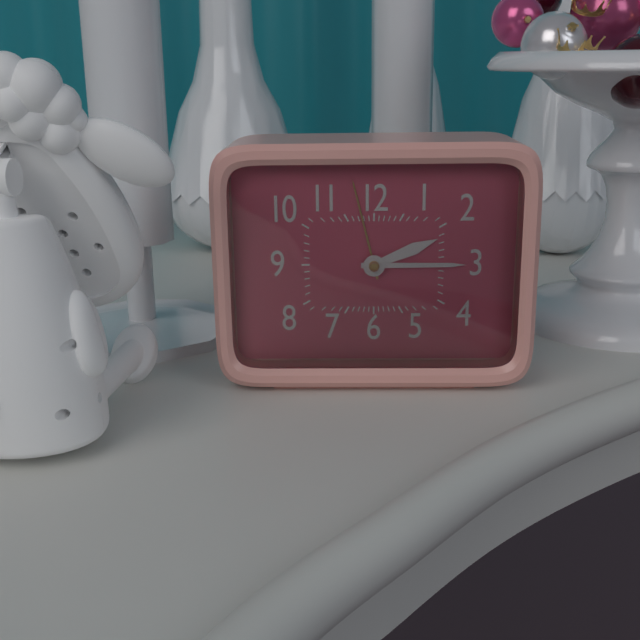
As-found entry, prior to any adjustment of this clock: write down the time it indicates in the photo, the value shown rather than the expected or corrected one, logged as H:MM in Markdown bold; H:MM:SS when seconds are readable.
**2:15**
